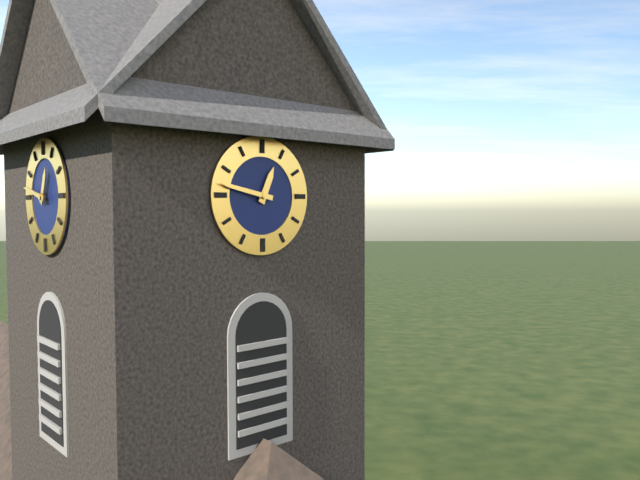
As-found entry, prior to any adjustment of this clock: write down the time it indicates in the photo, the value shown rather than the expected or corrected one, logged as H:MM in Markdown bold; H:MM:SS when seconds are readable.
**12:47**
